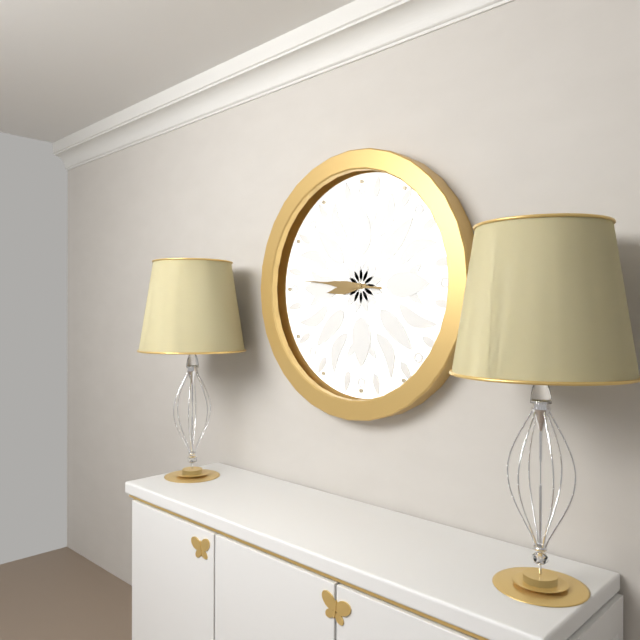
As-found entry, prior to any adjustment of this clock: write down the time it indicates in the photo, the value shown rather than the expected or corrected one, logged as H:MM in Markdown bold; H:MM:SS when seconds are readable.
**8:46**
